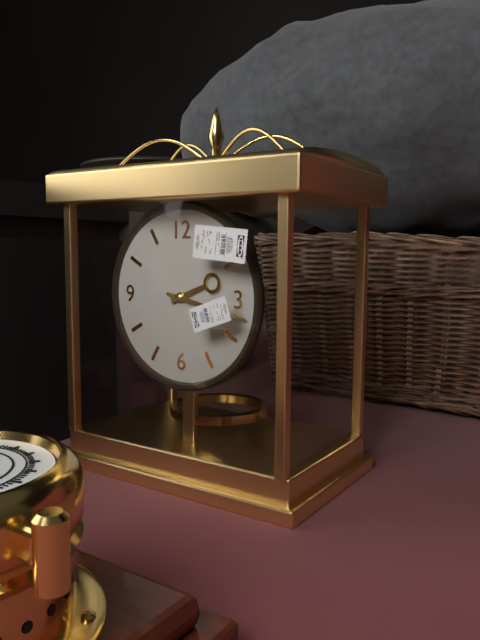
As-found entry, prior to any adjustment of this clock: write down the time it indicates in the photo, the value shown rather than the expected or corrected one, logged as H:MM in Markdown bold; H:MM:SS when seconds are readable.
**2:17**
